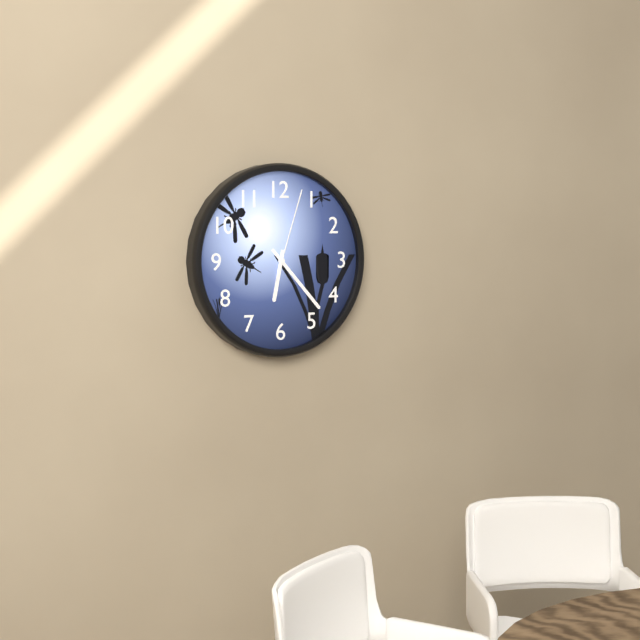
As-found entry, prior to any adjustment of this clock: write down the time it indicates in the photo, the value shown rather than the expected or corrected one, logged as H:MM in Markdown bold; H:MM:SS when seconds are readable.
**6:23:03**
